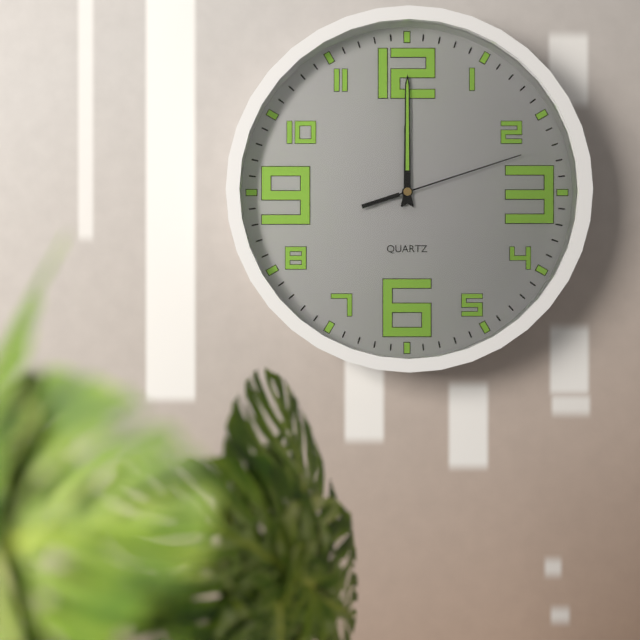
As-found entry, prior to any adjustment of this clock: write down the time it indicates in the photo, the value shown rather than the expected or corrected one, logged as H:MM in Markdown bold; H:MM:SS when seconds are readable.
**12:00:12**
